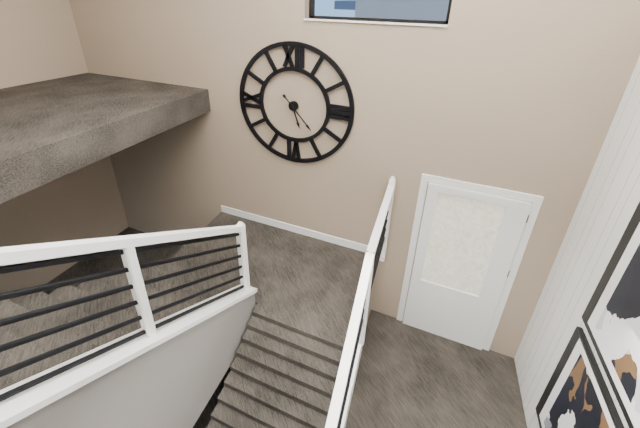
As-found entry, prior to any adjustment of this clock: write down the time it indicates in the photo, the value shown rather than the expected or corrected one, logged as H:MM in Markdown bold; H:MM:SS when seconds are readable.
**5:23**
